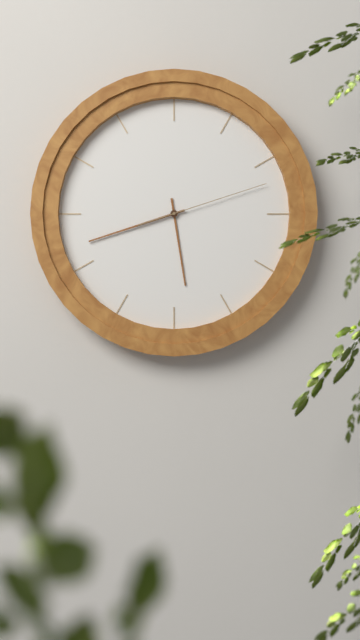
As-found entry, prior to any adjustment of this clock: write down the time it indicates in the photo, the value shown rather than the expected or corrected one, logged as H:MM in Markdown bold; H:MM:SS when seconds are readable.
**5:42:12**
